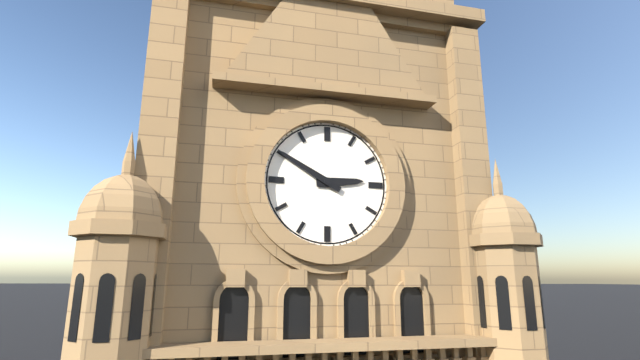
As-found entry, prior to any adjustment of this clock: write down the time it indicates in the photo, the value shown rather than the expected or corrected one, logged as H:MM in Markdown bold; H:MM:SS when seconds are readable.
**2:50**
